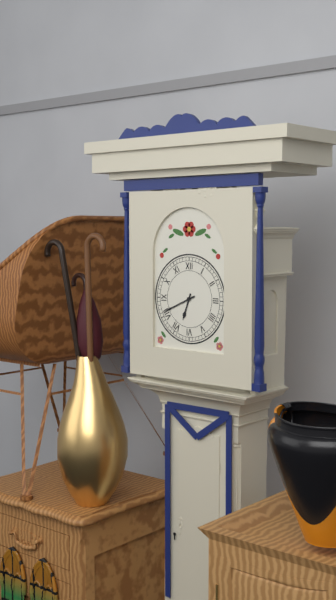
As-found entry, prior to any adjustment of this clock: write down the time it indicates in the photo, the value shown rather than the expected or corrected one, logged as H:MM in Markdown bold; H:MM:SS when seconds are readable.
**6:41**
